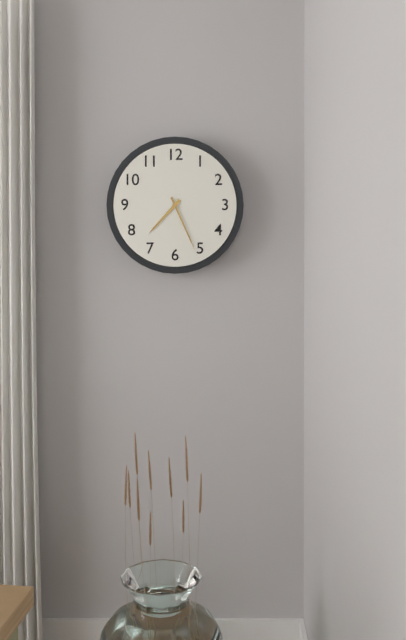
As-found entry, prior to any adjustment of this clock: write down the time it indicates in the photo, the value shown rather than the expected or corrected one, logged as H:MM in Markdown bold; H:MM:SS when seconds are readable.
**7:26**
